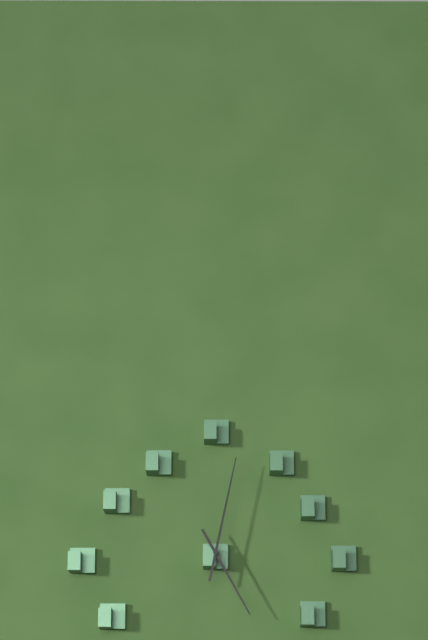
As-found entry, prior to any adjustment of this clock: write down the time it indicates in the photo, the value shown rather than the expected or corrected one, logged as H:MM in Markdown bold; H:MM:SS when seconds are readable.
**5:02**
